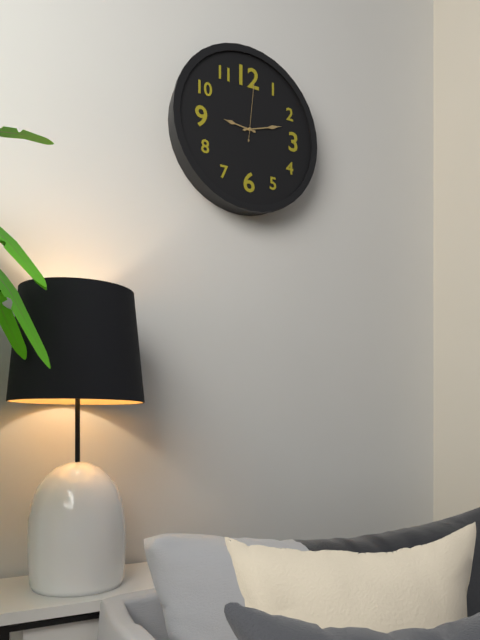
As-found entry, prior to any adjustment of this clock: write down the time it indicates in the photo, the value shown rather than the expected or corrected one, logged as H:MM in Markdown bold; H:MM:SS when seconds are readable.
**9:12:01**
